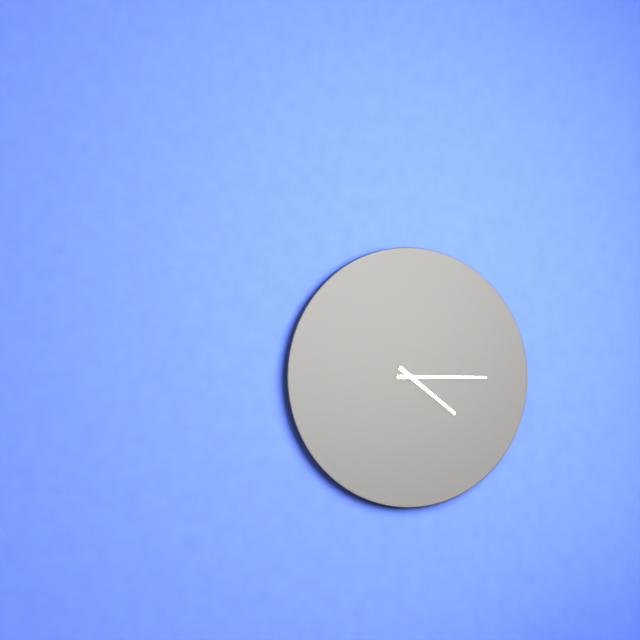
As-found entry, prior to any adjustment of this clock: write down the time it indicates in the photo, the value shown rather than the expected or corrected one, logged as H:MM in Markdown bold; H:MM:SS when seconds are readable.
**4:15**
